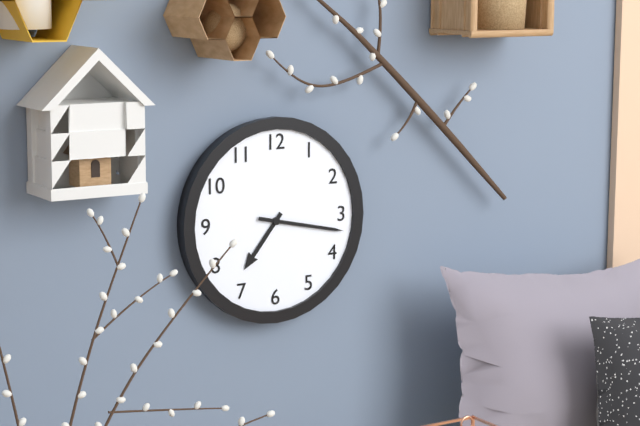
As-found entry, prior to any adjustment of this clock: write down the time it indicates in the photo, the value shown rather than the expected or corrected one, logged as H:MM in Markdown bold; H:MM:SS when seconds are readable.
**7:17**
